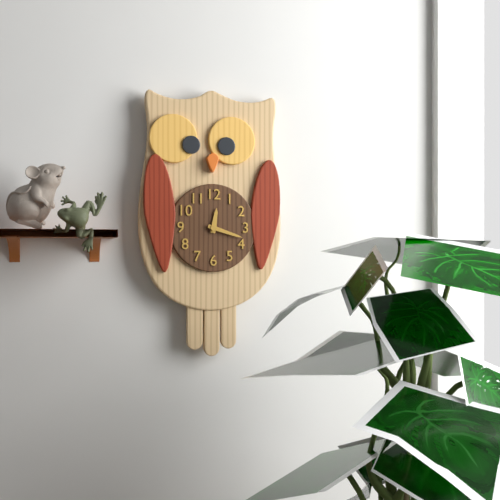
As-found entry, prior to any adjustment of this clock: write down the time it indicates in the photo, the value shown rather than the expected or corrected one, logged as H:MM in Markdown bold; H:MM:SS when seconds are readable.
**12:18**
